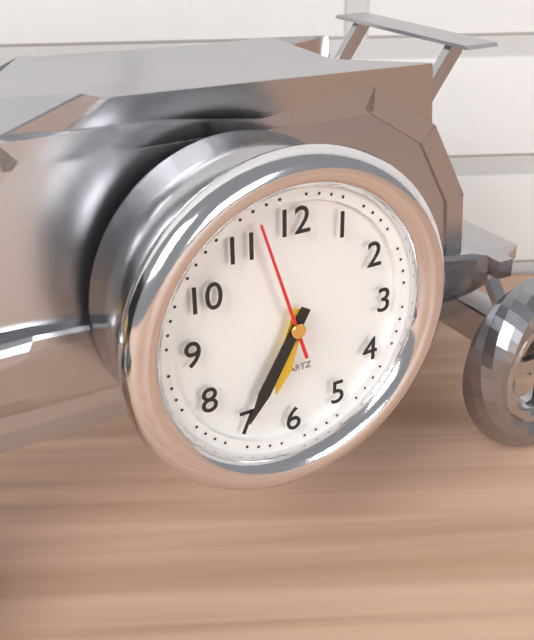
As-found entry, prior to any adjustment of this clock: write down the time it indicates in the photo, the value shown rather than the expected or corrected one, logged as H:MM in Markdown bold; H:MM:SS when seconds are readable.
**6:35:57**
